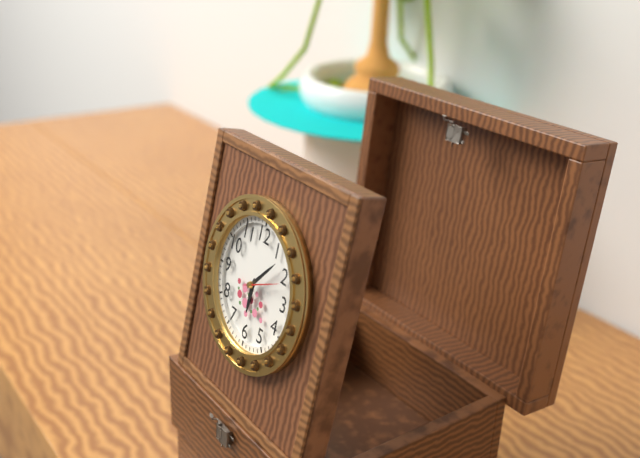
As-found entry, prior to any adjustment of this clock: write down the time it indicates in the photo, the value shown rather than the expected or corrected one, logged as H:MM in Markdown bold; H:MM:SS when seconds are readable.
**6:07**
